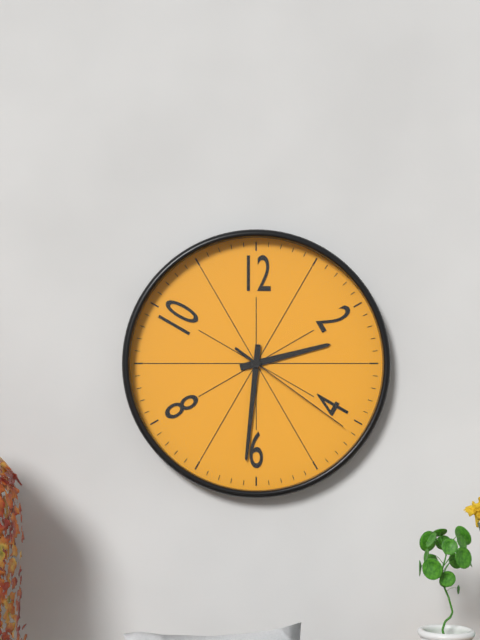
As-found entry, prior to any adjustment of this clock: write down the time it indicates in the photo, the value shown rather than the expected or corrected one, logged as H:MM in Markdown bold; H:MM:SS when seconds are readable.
**2:31:21**
